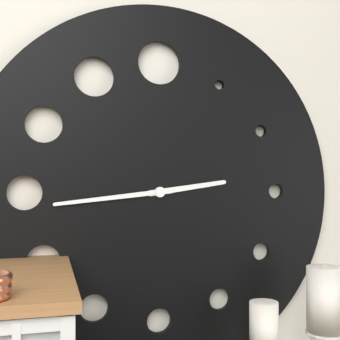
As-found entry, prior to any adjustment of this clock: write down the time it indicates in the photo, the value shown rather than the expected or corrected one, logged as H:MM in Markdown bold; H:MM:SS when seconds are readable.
**2:44**
